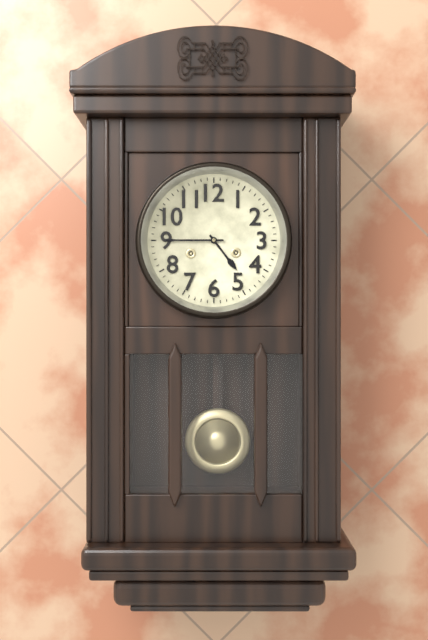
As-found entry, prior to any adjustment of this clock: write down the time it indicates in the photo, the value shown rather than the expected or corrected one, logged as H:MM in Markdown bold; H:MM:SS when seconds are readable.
**4:45**
